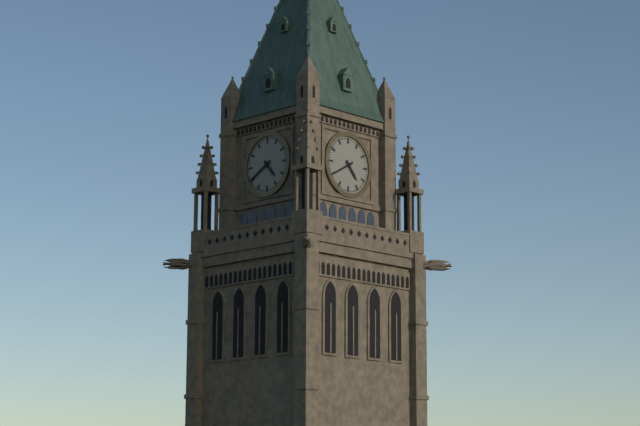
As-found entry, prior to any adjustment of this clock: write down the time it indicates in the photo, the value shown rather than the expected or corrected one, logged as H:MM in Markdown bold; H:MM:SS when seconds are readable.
**4:40**
